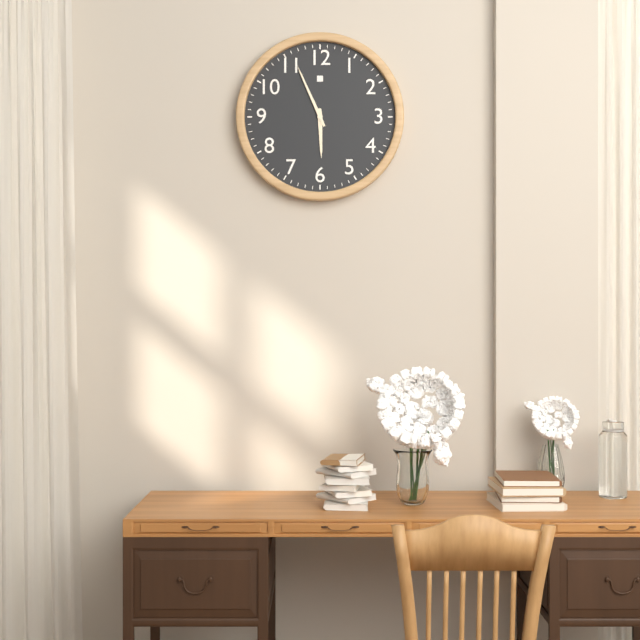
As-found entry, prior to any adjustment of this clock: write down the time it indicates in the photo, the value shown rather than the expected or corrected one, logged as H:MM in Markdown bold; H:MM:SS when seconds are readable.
**5:56**
